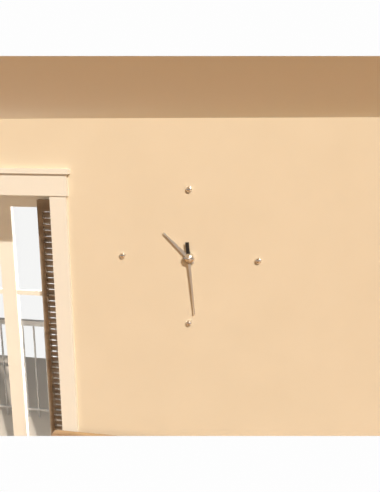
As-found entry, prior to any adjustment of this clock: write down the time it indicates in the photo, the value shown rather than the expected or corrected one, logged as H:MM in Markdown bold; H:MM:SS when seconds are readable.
**10:29**
